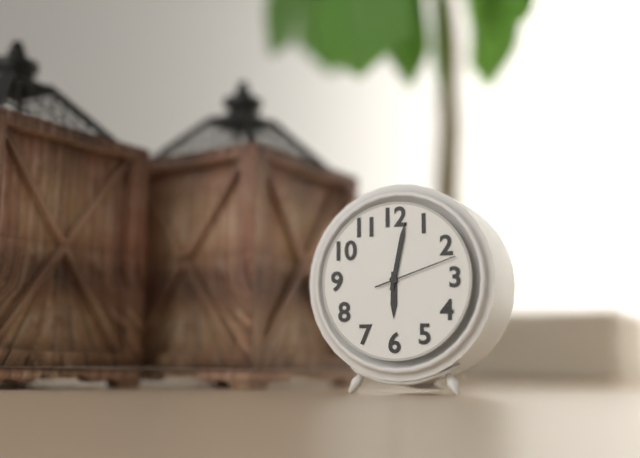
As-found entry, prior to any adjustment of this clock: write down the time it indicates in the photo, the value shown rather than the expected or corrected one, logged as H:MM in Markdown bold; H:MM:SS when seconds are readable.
**6:02:12**
